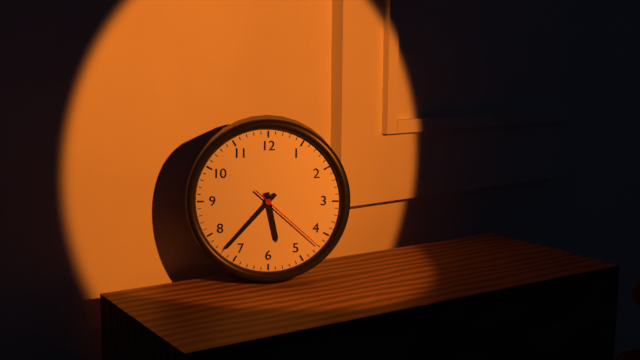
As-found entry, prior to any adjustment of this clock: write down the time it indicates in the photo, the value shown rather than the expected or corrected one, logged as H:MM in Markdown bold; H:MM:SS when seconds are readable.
**5:37:22**
